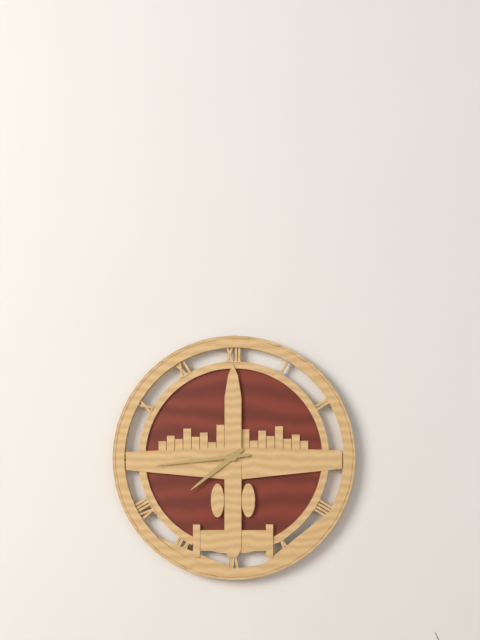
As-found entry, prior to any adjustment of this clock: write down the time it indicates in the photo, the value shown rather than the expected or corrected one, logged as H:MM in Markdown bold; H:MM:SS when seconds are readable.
**7:44**
